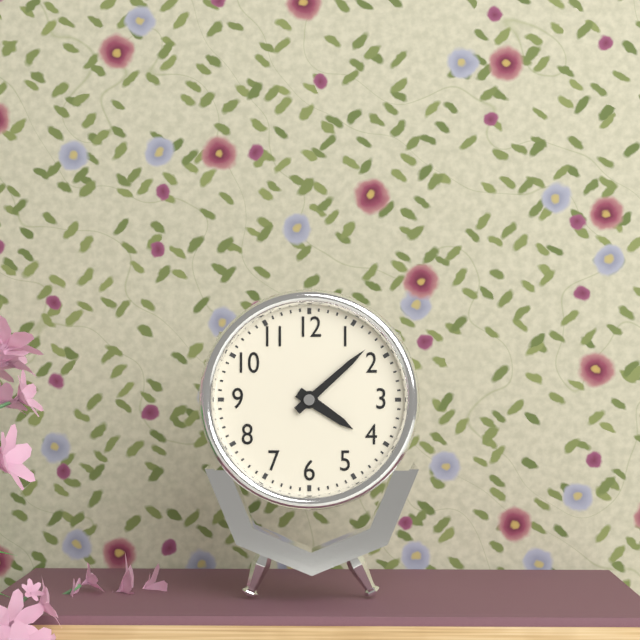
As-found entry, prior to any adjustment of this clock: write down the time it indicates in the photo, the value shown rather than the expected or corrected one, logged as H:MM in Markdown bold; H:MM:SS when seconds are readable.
**4:08**
